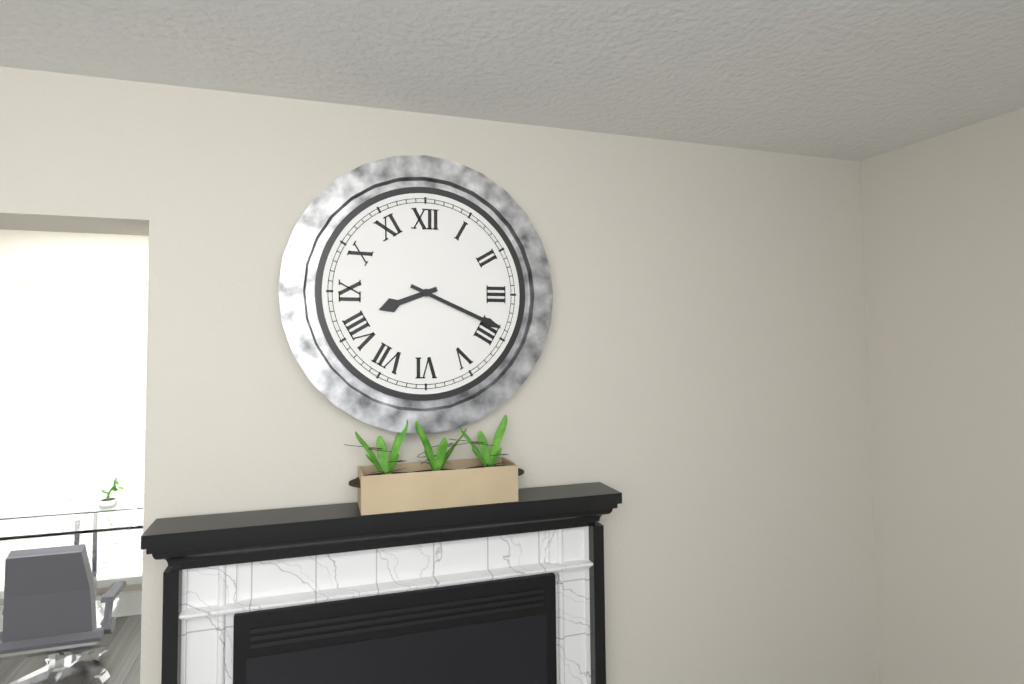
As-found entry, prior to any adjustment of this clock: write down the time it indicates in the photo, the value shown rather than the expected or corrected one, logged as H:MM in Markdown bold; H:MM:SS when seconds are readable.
**8:19**
